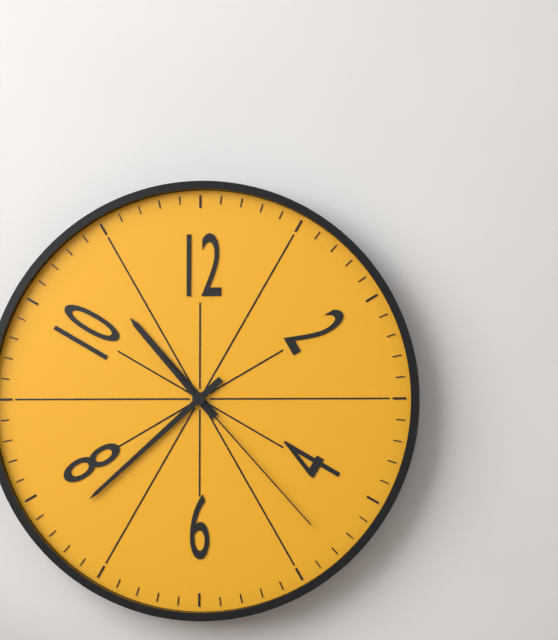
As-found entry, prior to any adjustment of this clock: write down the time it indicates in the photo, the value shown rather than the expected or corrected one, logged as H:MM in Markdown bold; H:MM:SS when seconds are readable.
**10:38:23**
